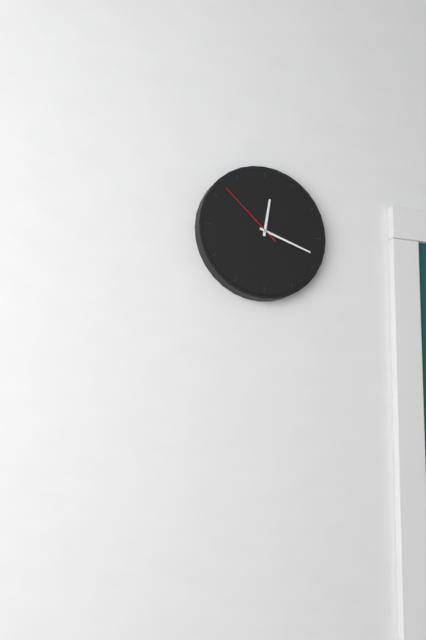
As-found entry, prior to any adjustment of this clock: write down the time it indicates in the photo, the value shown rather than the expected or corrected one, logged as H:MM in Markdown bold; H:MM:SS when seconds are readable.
**12:18:52**
